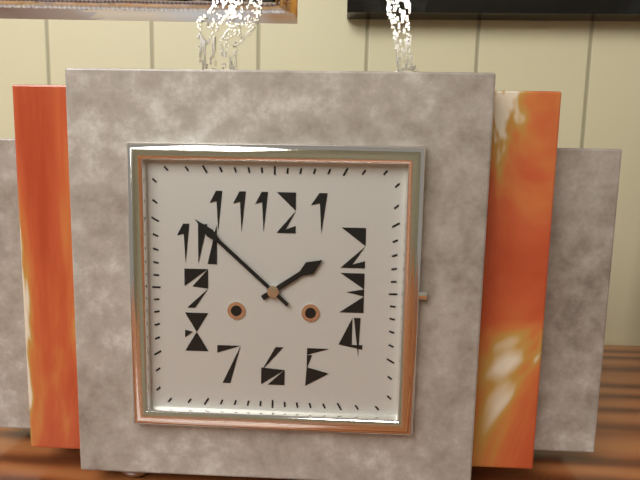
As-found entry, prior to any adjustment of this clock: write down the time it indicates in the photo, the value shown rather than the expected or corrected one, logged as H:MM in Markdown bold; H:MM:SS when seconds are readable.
**1:52**
